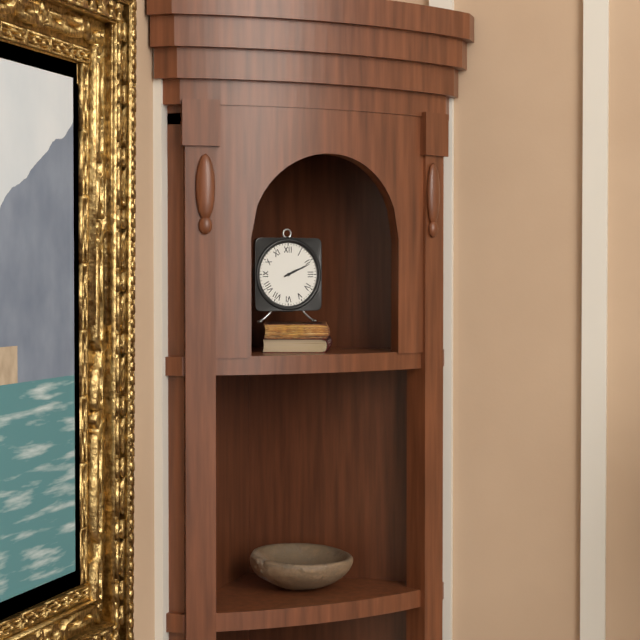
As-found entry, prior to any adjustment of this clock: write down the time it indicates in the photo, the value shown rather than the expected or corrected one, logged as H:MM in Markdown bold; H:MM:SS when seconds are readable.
**2:11**
